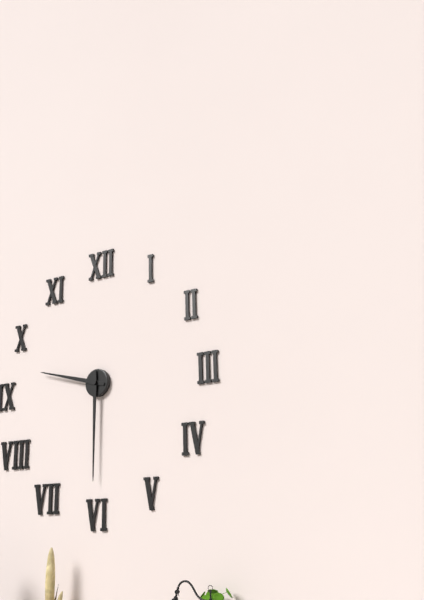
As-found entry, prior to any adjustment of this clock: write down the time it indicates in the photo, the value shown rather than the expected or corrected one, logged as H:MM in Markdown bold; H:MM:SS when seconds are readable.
**9:30**
